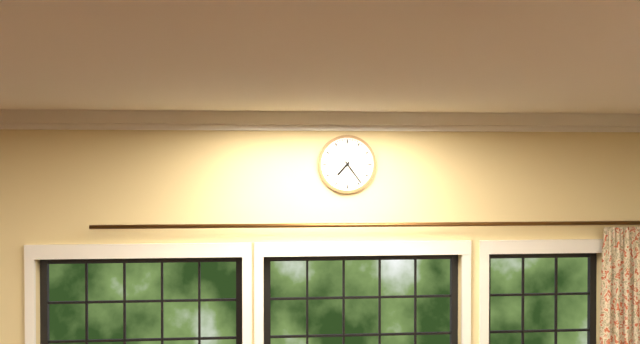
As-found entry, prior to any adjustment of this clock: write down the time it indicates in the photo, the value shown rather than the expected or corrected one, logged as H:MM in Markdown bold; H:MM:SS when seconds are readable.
**7:24**
